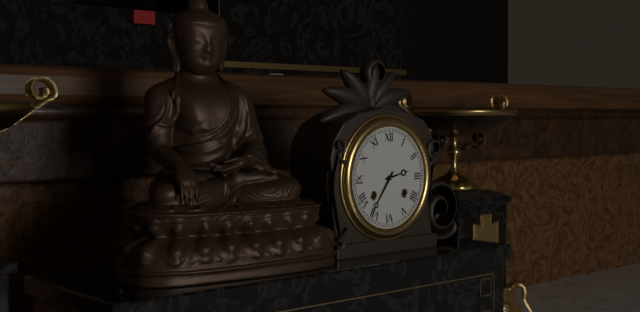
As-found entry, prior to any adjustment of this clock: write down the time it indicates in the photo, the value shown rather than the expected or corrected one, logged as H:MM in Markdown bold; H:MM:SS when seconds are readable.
**2:36**
